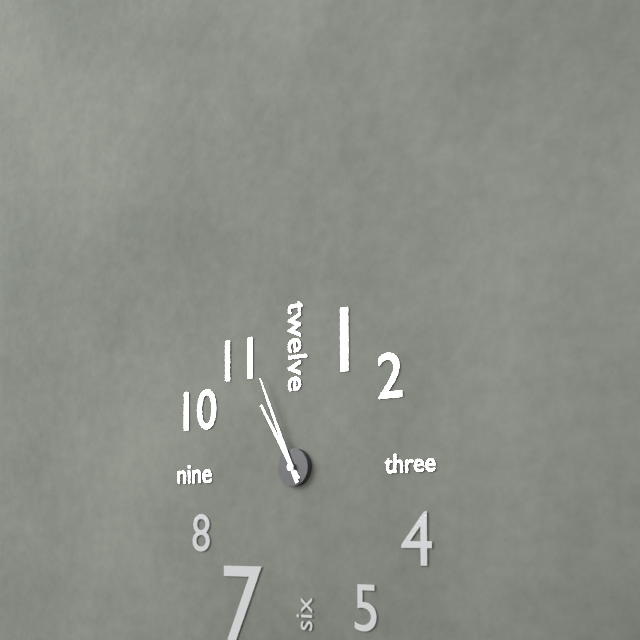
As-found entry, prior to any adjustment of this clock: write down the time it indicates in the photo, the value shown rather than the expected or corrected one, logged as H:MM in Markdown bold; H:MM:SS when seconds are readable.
**10:56**
